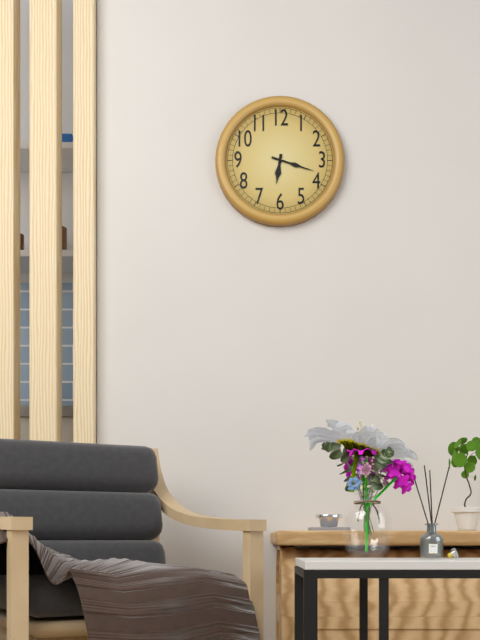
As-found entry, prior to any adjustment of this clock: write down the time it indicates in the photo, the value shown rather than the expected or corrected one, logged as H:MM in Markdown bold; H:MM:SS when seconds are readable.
**6:18**
